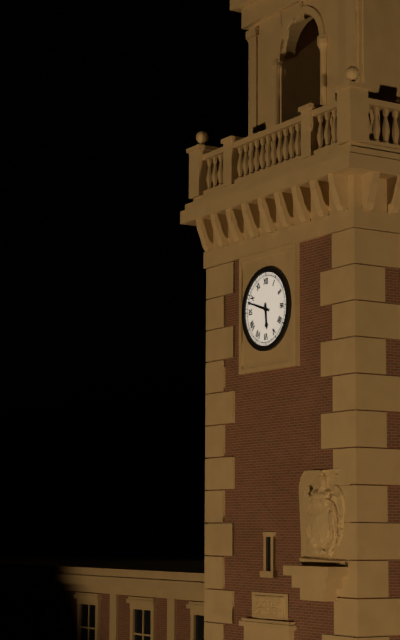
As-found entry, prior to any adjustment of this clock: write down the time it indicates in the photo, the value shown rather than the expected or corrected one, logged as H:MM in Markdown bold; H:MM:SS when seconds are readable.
**5:48**
